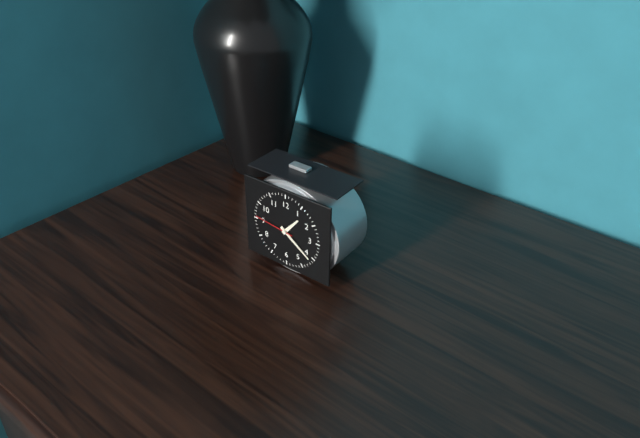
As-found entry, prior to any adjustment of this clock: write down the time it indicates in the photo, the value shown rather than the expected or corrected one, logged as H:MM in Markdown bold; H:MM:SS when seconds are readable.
**1:21:46**
